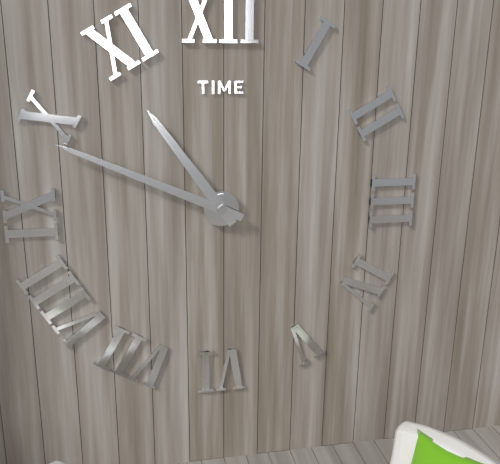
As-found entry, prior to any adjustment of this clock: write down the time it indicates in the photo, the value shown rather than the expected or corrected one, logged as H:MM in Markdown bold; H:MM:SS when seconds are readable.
**10:49**
